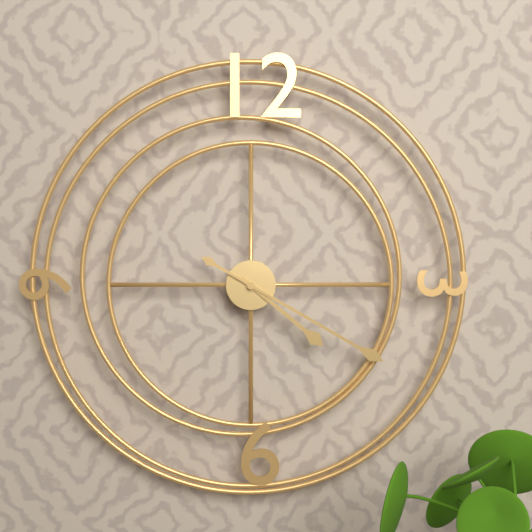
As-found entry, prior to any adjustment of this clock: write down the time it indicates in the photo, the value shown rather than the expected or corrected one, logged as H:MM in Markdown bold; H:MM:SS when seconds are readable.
**4:20**
